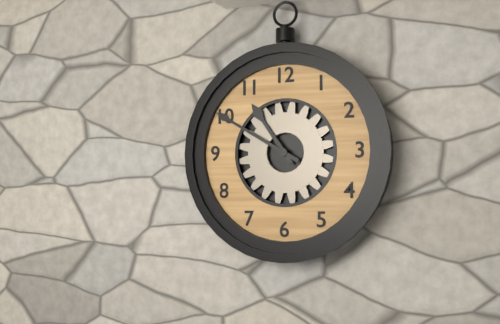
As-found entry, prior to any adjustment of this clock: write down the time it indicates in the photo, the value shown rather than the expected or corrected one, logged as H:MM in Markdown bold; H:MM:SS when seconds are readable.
**10:50**
